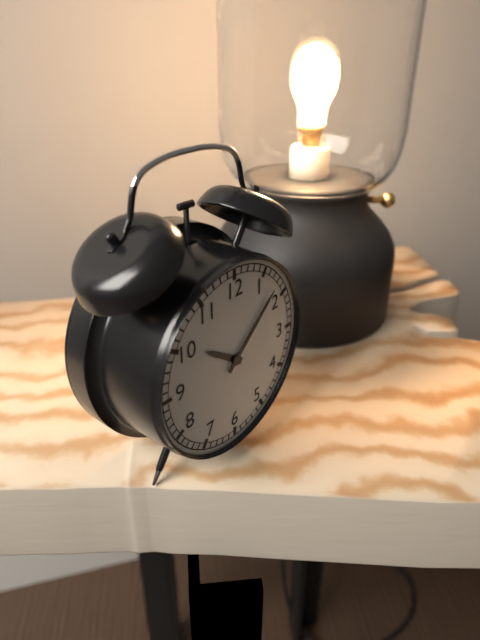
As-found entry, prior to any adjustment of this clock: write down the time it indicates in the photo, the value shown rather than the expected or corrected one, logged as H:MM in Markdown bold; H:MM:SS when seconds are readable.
**10:08**
